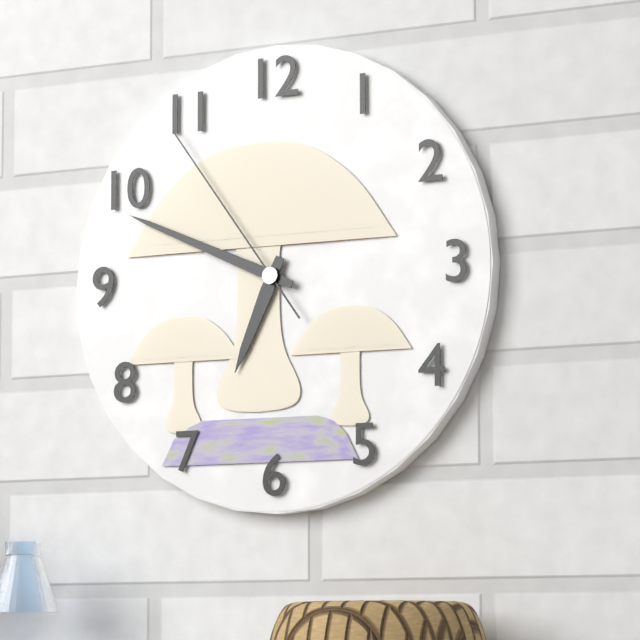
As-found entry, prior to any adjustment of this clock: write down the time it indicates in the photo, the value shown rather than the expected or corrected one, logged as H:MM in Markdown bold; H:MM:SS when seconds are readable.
**6:49:54**
